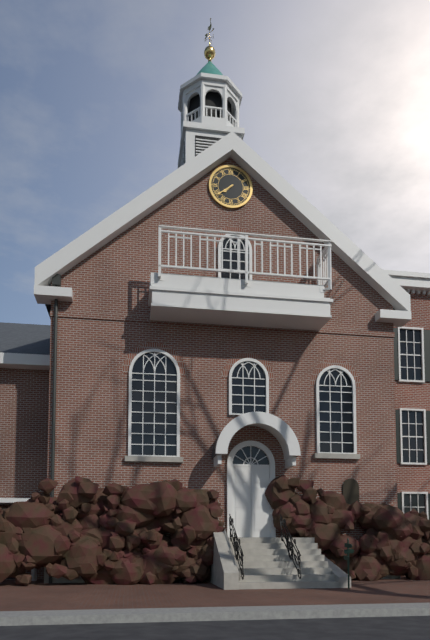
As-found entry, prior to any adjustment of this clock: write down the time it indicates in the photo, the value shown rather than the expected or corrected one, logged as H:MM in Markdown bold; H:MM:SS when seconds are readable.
**7:39**
